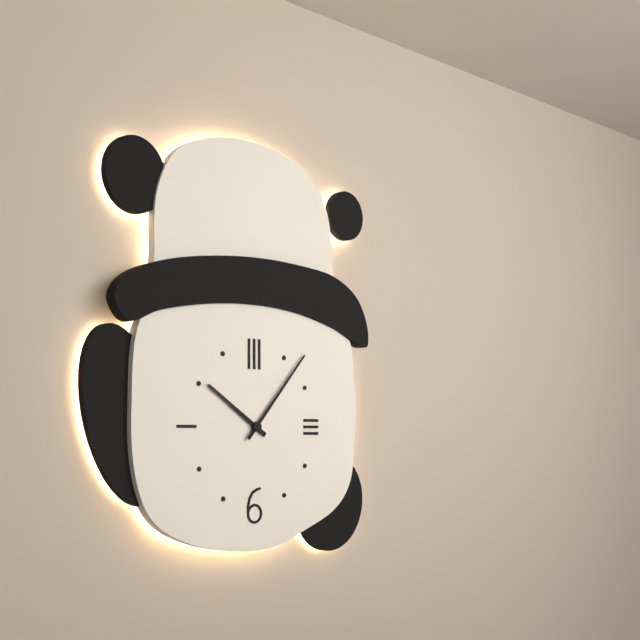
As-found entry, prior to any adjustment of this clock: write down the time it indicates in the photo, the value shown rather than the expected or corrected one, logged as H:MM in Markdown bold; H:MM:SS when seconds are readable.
**10:07**
